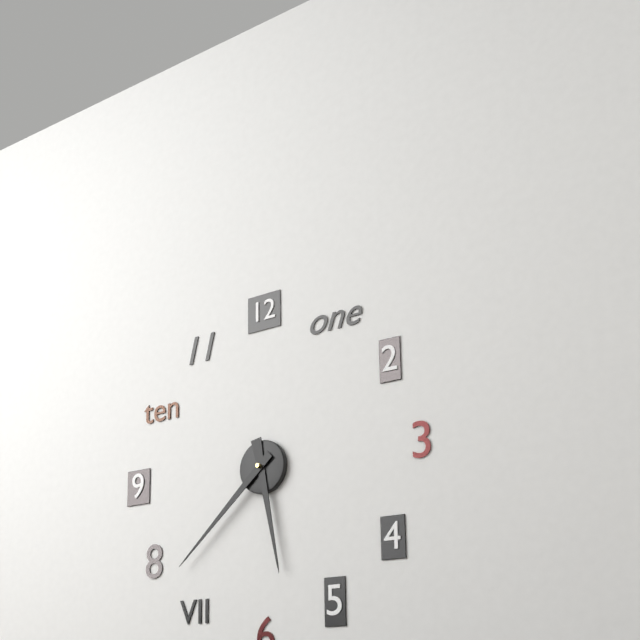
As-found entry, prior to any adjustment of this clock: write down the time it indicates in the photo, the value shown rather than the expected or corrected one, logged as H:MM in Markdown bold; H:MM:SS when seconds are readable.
**5:38**
